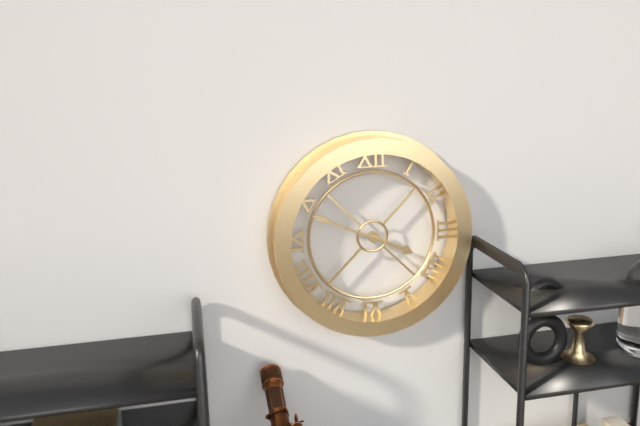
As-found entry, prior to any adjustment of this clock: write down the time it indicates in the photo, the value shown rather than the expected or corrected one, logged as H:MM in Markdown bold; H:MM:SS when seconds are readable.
**3:49**
